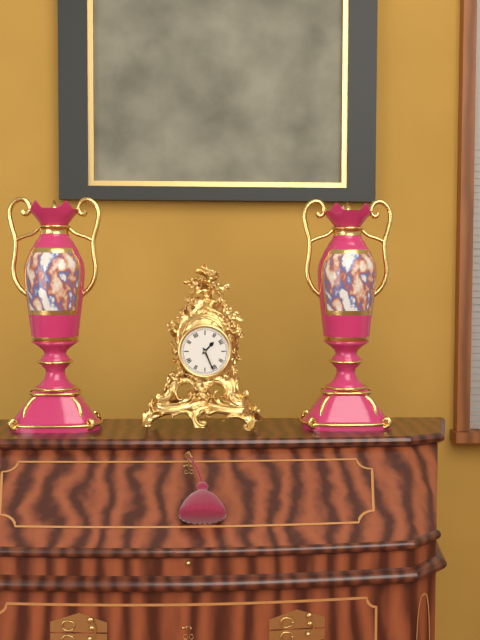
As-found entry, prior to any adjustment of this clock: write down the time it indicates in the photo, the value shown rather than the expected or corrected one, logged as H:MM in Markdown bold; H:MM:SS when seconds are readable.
**1:26**
